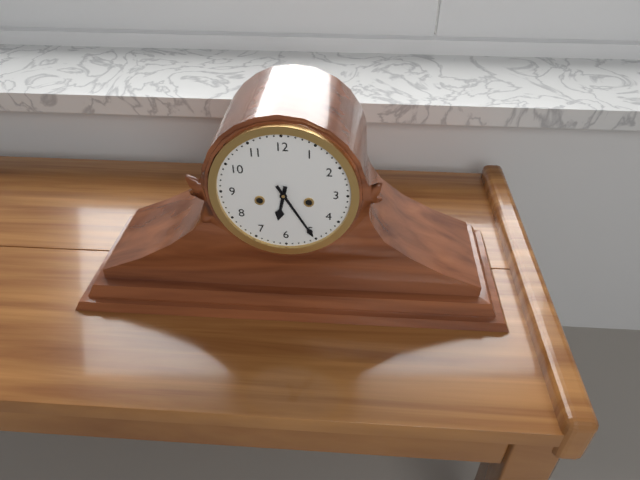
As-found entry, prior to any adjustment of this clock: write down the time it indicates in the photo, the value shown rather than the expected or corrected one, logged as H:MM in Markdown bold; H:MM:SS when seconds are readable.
**6:25**
